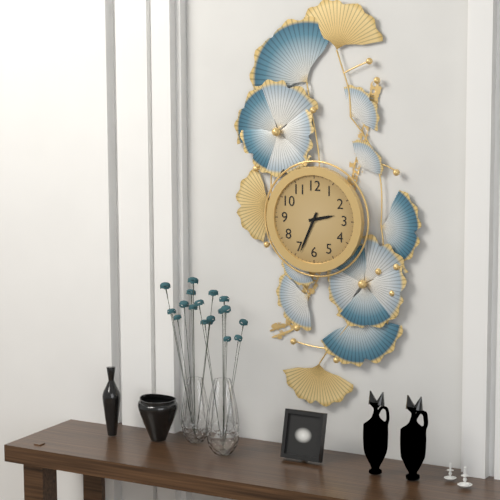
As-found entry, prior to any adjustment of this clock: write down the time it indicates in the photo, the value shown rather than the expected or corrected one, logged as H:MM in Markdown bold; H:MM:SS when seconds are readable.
**2:34**
